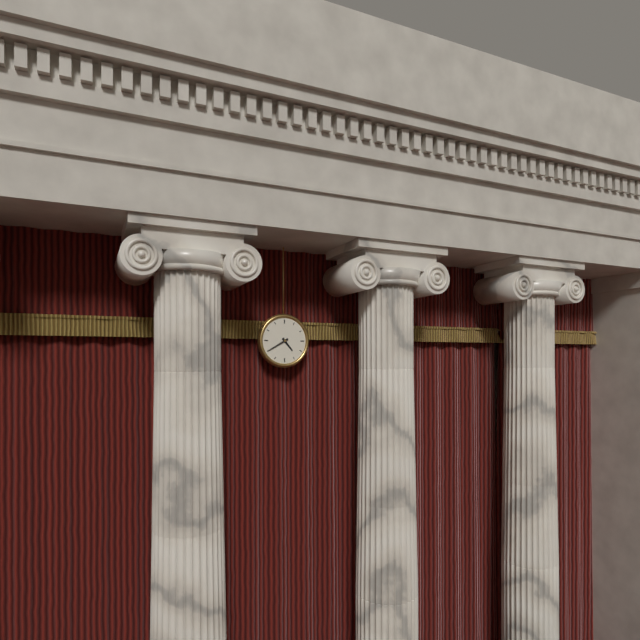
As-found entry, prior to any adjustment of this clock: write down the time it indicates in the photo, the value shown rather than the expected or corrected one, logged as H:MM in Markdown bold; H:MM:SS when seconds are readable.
**4:40**
